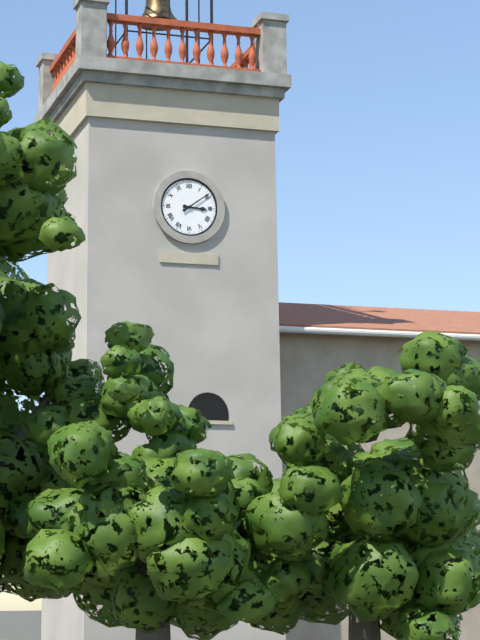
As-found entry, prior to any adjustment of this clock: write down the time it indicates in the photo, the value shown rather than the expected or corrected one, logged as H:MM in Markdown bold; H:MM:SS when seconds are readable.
**3:09**
